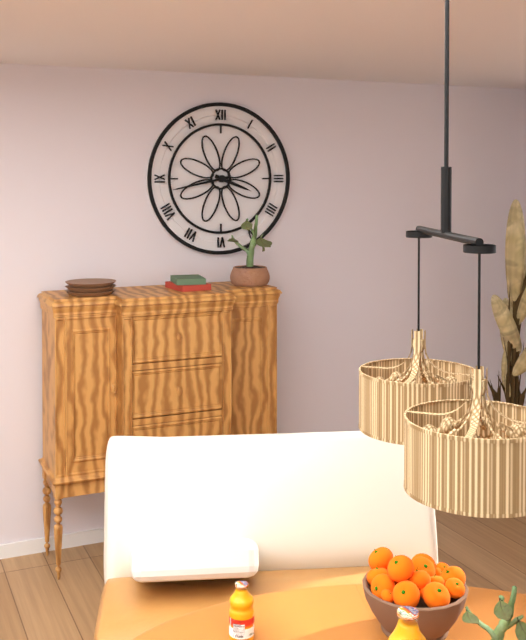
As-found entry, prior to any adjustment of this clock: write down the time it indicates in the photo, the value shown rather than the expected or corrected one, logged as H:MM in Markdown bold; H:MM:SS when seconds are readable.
**3:43**
